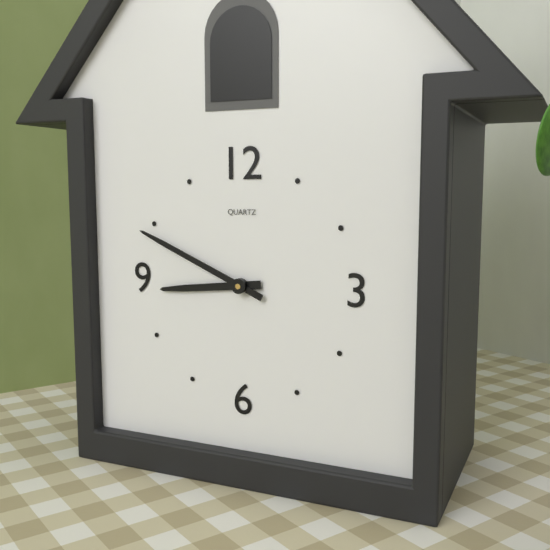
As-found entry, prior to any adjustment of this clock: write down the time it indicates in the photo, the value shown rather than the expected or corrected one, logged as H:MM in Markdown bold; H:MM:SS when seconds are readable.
**8:49**
